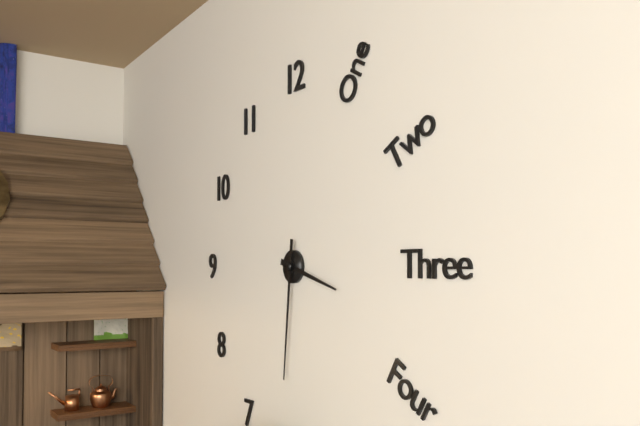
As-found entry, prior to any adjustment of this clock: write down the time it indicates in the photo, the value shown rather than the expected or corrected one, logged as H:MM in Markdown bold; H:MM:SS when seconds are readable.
**3:31**
